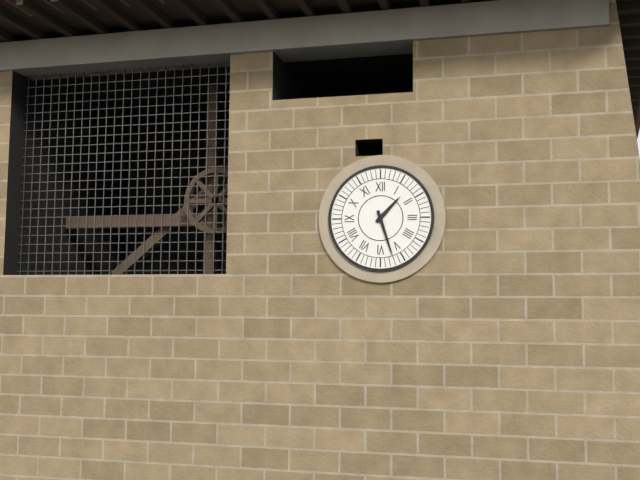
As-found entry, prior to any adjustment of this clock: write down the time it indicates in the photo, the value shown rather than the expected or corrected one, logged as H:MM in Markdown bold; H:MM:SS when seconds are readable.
**1:27**
